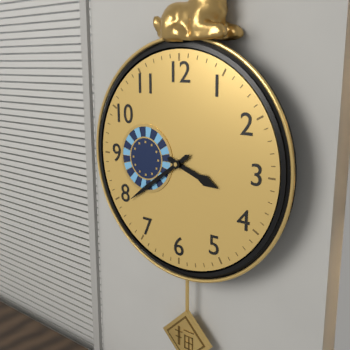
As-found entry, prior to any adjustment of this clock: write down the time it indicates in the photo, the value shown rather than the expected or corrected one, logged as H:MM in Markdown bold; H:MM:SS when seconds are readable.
**3:39**
